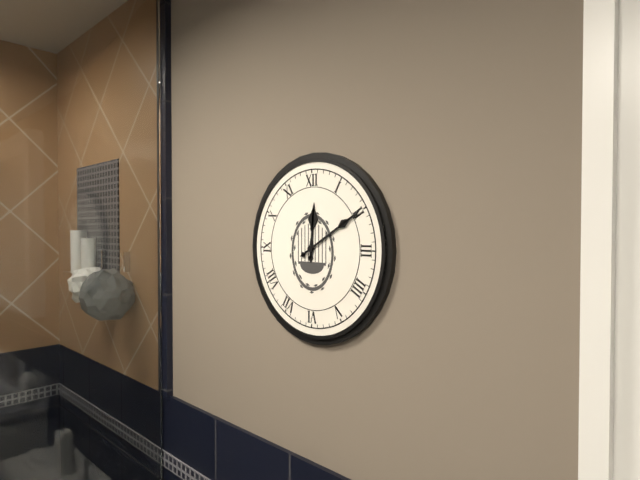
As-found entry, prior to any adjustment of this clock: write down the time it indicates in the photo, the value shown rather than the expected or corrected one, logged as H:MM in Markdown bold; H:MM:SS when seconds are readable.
**12:10**
